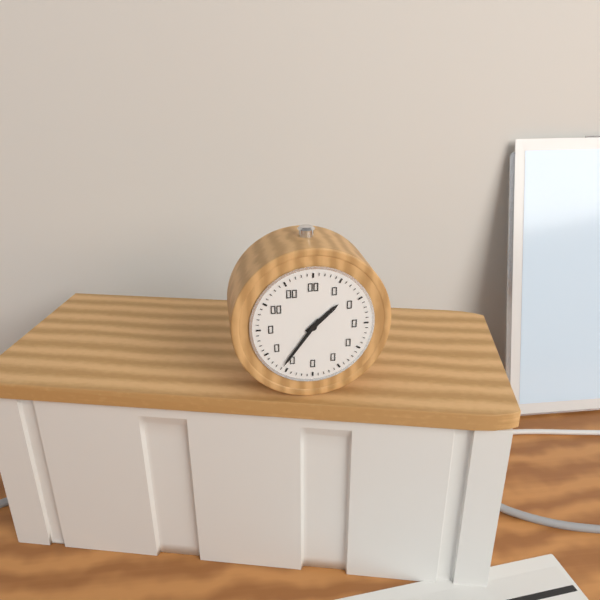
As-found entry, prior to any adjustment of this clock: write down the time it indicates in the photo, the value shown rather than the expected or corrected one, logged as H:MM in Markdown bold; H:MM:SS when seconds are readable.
**1:36**
